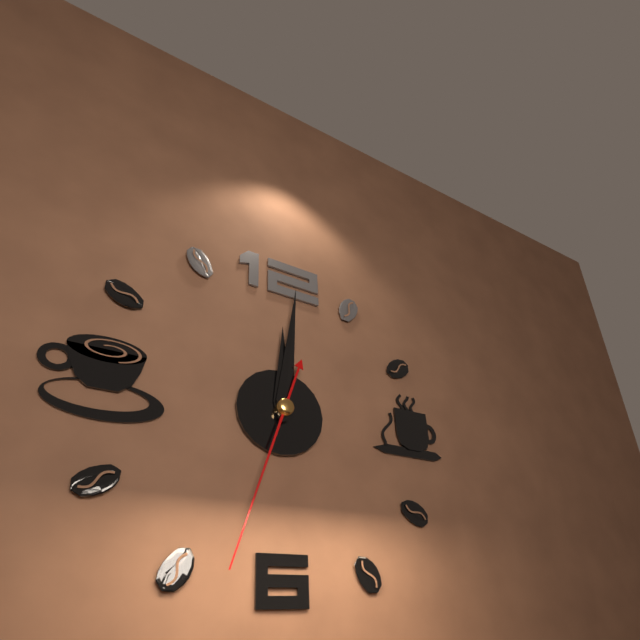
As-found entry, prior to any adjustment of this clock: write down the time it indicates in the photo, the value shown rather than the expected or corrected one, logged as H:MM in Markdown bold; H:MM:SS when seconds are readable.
**12:01:33**
